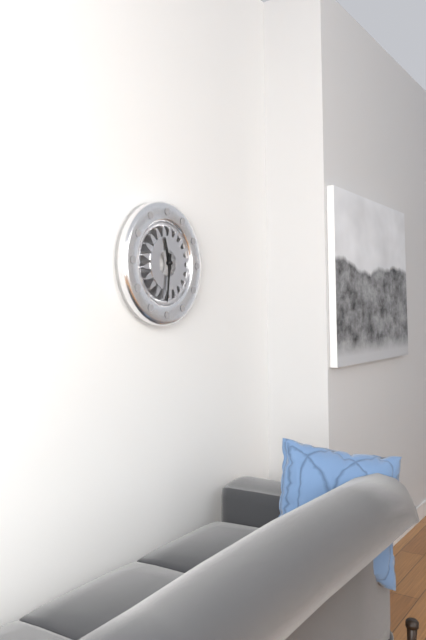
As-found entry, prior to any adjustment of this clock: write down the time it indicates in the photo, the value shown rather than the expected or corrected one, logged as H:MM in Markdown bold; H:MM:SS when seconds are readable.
**11:31**
